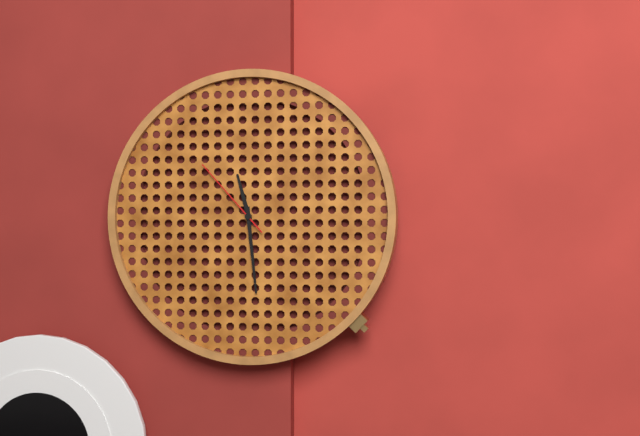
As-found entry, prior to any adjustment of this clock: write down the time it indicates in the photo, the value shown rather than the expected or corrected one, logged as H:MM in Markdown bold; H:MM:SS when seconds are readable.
**11:29:53**
